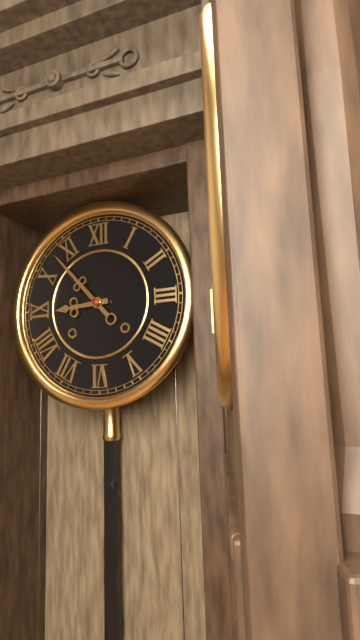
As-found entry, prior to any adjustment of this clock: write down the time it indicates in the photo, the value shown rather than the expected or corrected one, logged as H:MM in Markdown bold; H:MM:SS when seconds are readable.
**8:53**
